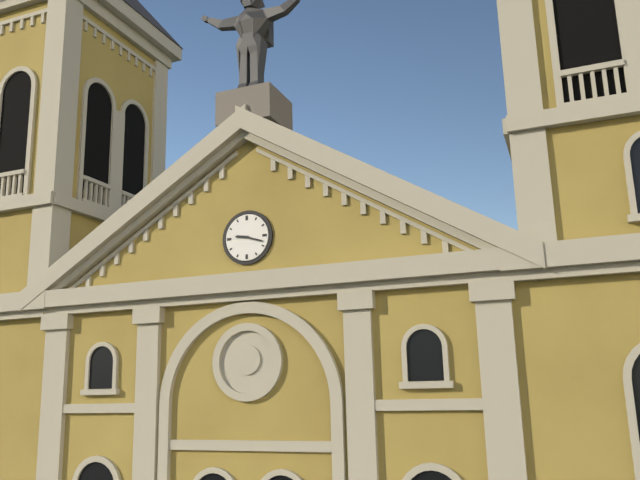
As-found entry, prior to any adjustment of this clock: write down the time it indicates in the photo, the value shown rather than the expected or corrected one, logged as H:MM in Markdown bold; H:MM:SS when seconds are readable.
**9:18**
